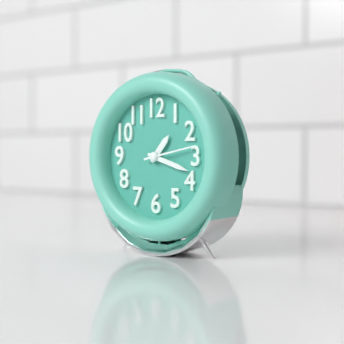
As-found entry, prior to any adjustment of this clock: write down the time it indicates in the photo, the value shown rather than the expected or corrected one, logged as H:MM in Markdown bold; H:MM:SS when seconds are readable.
**1:18**
